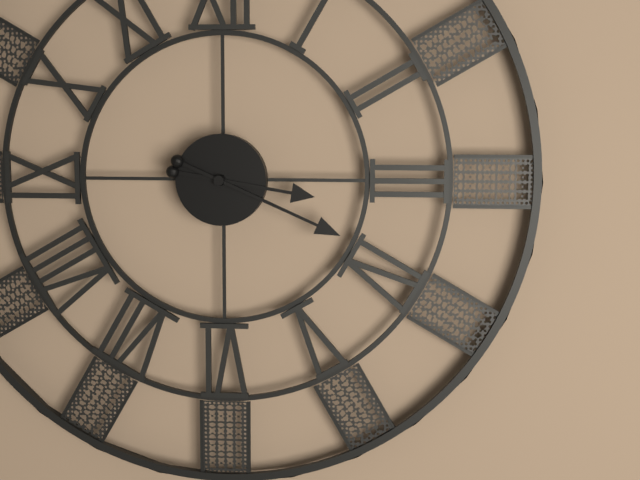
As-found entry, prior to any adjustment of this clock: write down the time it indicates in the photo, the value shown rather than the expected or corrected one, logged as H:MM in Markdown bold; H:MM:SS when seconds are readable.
**3:19**
